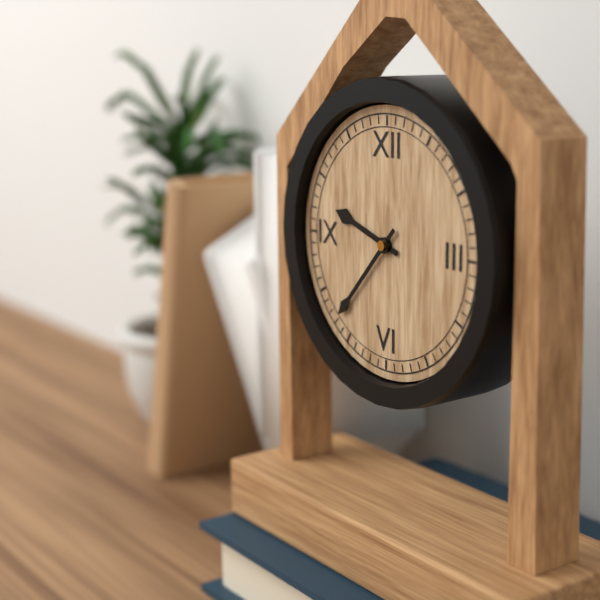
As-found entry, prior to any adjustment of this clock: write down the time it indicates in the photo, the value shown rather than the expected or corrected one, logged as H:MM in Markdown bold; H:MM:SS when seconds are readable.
**9:37**
